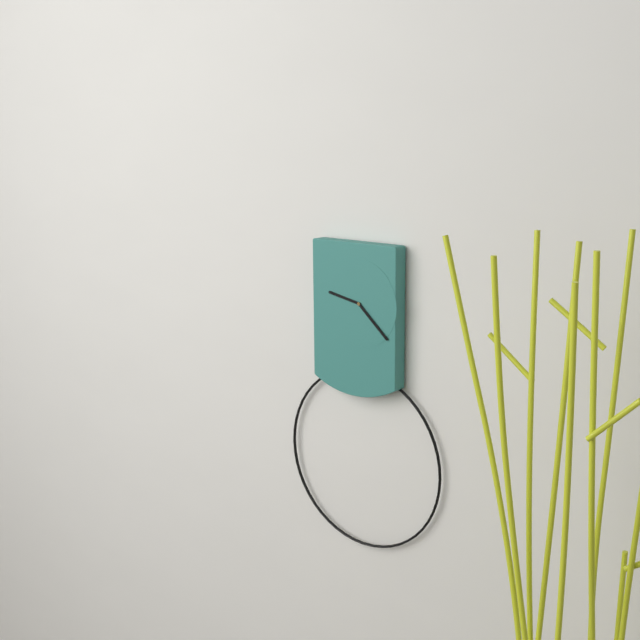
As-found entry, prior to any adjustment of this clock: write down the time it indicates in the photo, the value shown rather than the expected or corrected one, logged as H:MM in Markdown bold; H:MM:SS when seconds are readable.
**9:22**
